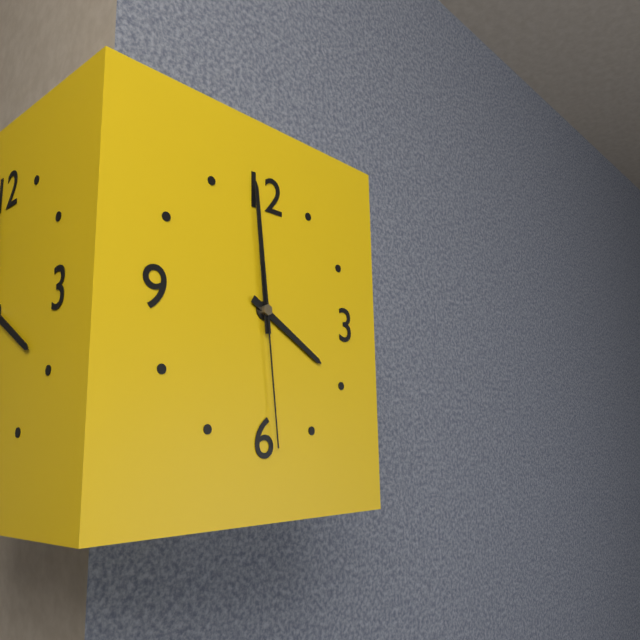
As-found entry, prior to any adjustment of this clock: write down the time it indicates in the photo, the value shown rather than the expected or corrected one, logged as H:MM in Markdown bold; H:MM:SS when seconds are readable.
**3:59:29**
